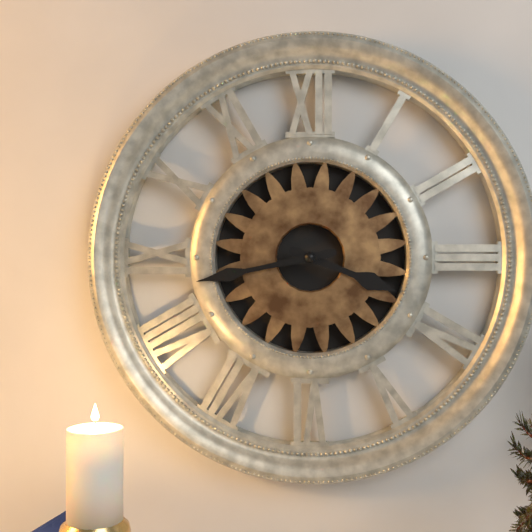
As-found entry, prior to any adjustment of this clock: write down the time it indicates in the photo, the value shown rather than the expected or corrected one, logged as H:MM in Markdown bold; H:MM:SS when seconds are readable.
**3:43**
